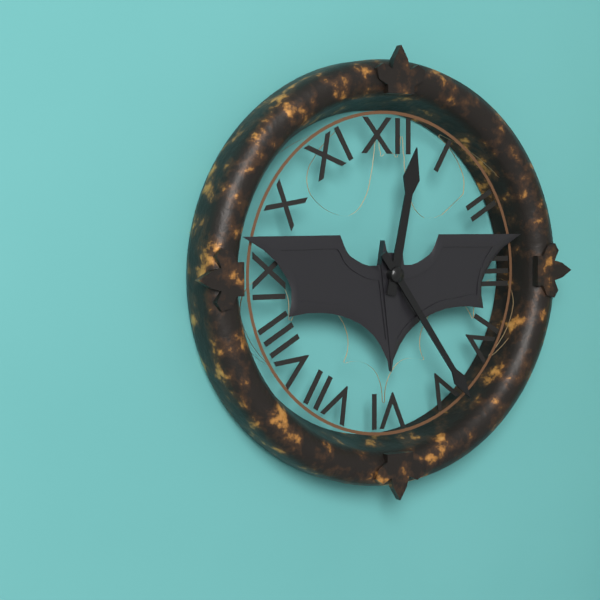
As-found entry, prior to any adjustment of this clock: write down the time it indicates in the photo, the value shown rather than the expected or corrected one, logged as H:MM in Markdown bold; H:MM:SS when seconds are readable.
**12:24**
